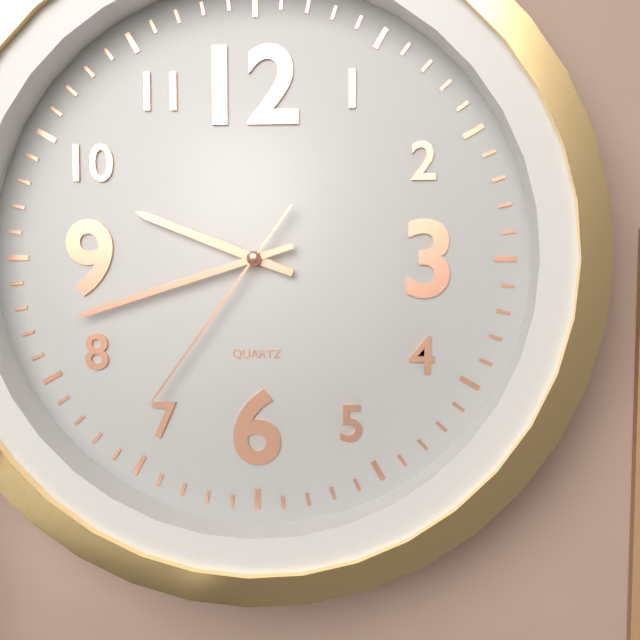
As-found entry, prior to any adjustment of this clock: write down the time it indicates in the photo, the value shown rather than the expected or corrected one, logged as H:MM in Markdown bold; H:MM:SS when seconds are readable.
**9:42:36**
